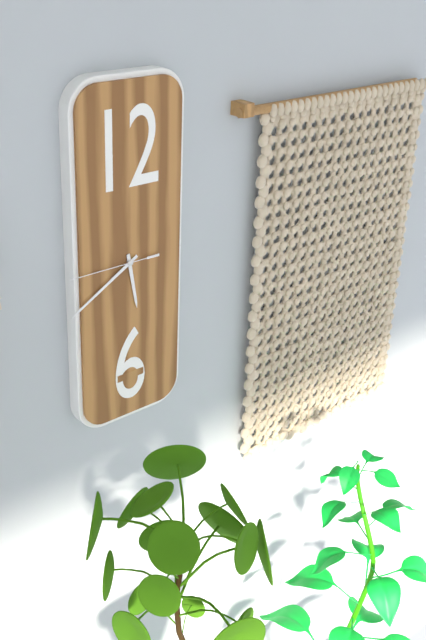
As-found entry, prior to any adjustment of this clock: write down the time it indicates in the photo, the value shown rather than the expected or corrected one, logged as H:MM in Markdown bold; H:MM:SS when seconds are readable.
**5:40:45**
